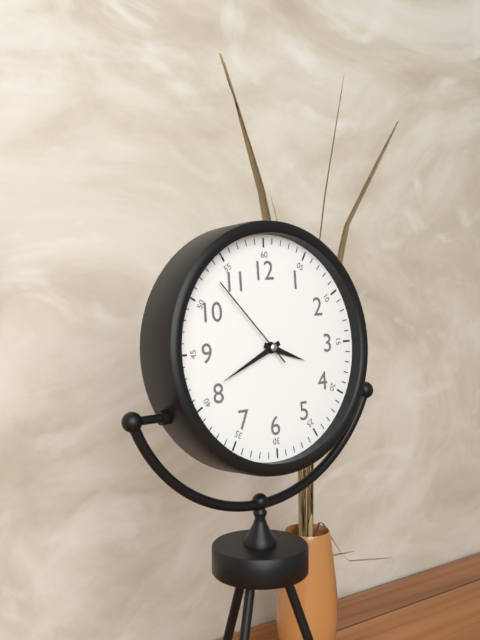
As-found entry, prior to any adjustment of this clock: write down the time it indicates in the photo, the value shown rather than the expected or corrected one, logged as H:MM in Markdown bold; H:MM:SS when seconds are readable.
**3:41:53**
